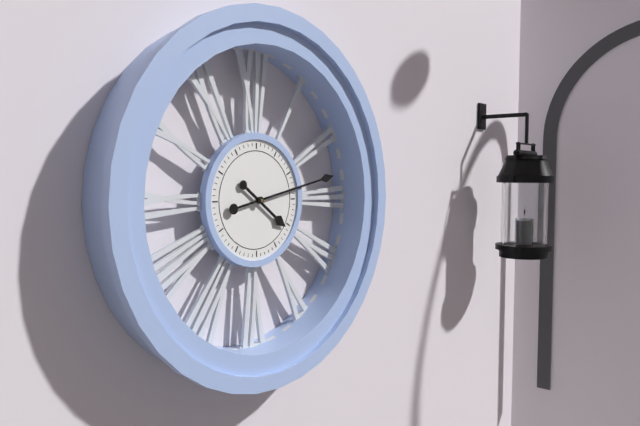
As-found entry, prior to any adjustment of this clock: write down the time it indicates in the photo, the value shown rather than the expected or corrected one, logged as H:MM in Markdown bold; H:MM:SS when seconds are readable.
**4:13**
